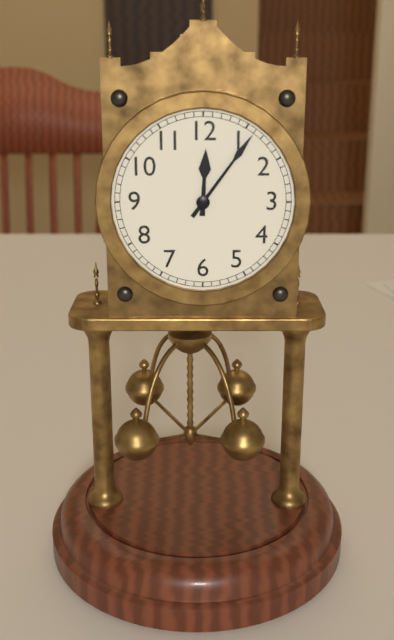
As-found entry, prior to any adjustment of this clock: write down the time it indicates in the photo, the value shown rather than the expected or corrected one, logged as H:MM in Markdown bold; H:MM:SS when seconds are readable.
**12:06**
